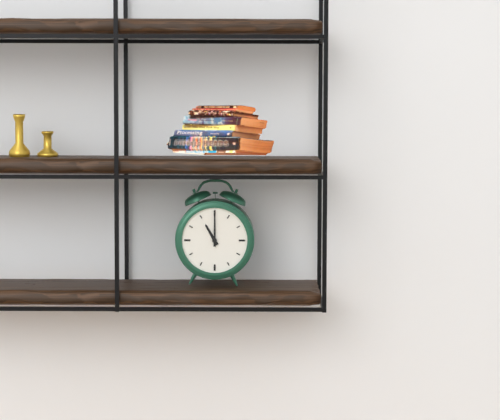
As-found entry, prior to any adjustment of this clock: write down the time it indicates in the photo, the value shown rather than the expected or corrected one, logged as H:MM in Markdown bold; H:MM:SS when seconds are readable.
**11:00**
